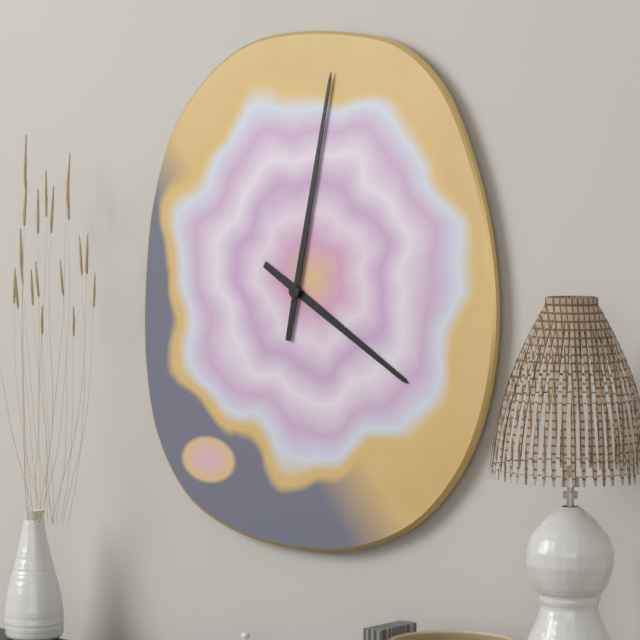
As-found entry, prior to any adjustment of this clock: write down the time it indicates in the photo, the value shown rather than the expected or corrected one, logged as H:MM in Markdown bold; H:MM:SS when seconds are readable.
**4:02**
